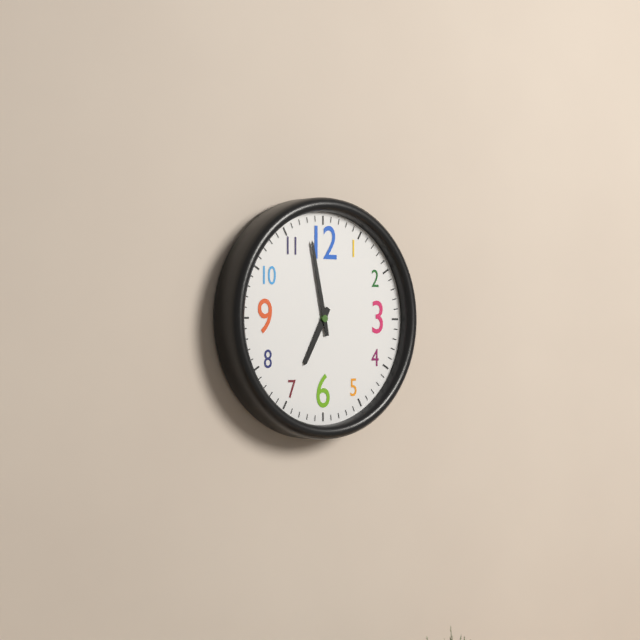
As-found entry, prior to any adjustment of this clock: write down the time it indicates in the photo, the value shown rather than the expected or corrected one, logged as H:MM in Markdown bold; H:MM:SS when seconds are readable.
**6:58**
